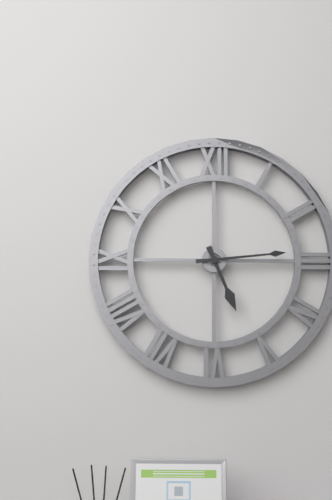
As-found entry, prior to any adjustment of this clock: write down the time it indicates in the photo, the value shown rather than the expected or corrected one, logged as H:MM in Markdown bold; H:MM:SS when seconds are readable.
**5:14**
